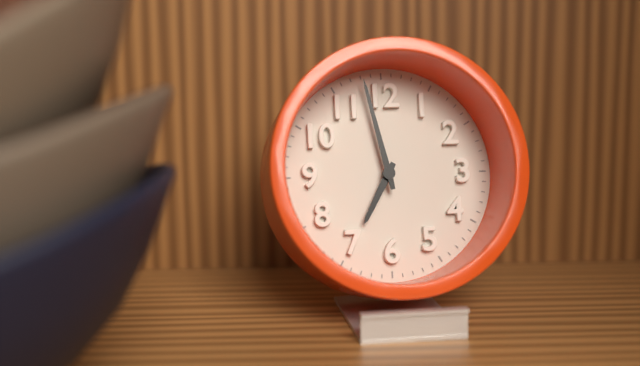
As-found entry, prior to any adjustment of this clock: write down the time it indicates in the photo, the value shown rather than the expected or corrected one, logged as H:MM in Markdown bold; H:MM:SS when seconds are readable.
**6:58**
